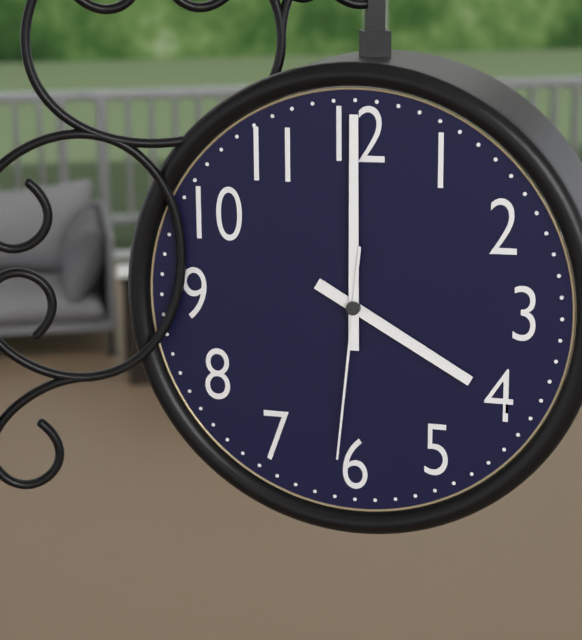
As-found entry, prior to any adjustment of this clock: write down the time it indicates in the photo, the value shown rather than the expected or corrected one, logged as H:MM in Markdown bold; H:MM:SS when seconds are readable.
**4:00:31**
